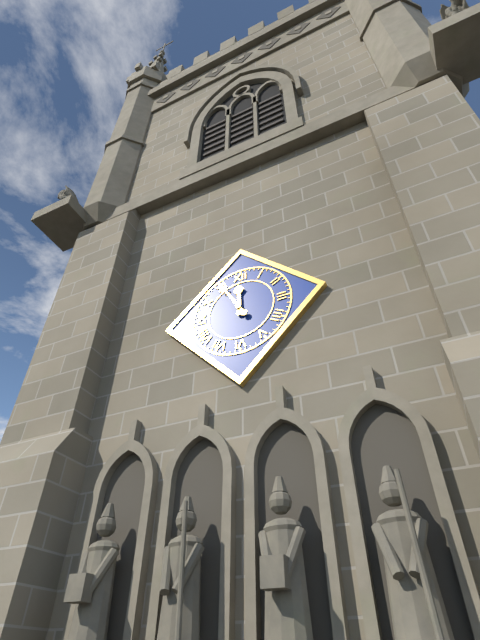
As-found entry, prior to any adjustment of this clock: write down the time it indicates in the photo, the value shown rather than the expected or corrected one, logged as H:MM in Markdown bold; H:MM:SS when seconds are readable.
**11:55**
